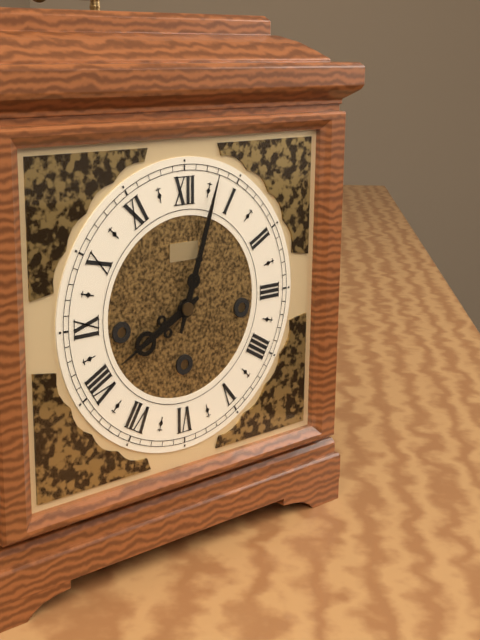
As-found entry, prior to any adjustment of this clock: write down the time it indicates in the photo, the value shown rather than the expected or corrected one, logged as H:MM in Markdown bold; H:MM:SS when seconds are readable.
**8:03**
